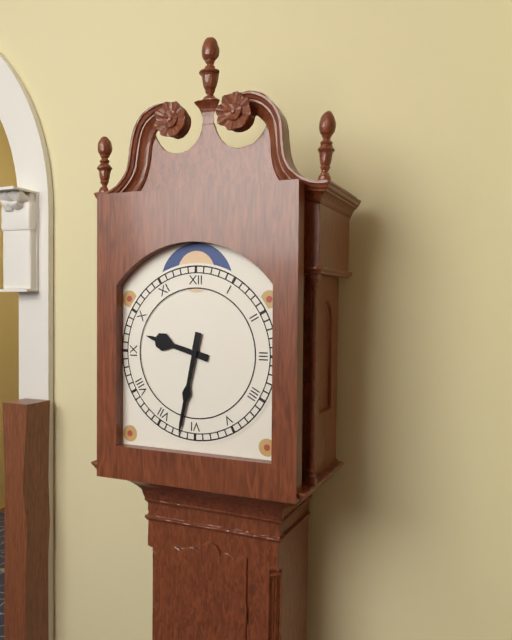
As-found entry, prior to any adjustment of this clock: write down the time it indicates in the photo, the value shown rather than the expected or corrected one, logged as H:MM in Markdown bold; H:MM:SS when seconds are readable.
**9:32**
